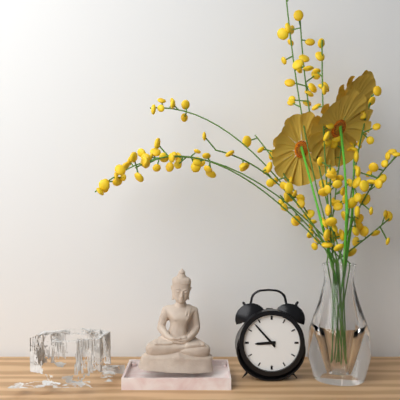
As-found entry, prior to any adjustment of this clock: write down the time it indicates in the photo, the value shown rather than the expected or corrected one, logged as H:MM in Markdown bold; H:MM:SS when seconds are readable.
**8:53**
